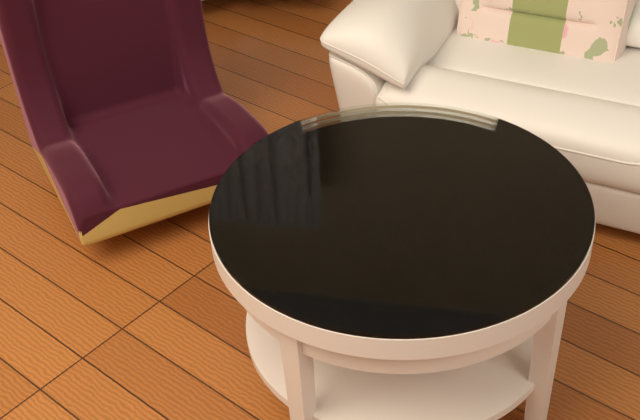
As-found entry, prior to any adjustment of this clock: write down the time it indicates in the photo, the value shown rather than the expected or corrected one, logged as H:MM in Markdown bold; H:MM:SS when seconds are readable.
**4:24**
